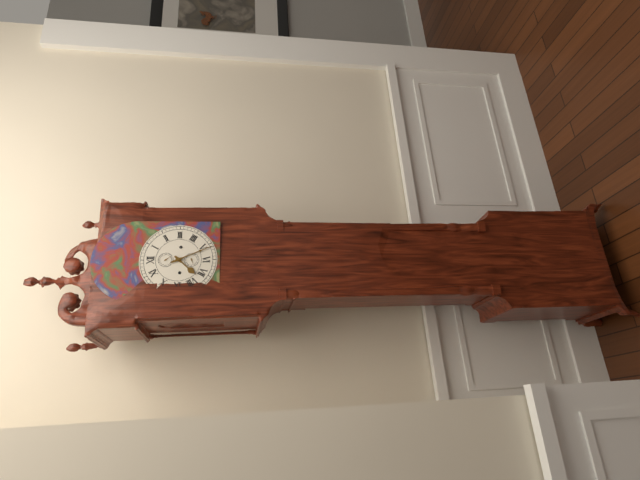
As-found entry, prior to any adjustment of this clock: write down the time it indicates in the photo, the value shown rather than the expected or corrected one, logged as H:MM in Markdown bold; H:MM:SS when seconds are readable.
**7:26**
